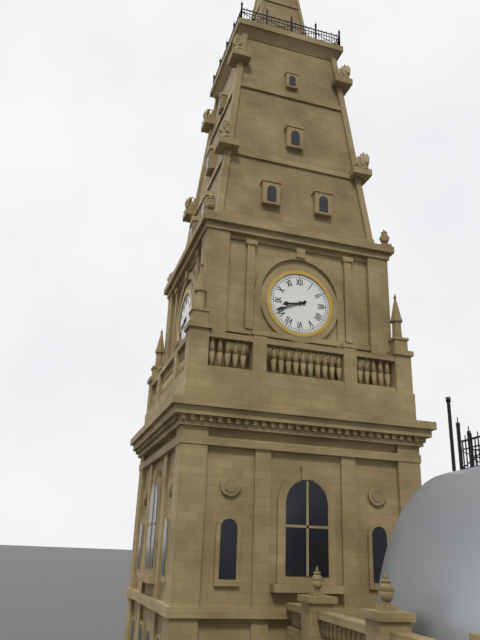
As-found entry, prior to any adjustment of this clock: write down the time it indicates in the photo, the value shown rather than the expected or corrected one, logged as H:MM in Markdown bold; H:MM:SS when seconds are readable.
**8:41**
